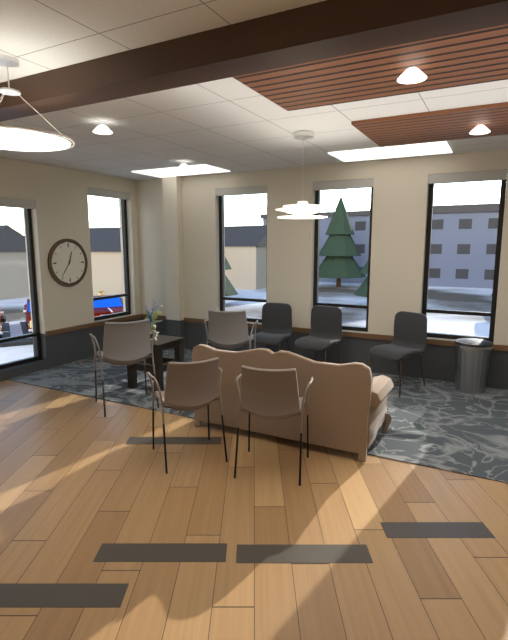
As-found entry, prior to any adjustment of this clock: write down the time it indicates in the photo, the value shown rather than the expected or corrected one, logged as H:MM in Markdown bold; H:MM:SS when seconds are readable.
**12:36**
